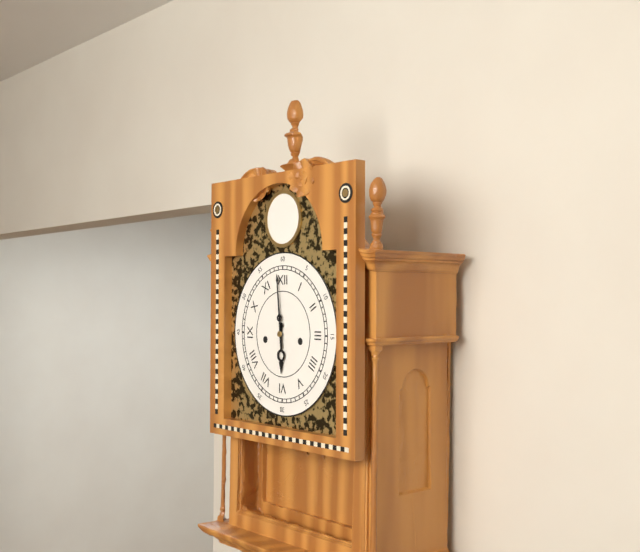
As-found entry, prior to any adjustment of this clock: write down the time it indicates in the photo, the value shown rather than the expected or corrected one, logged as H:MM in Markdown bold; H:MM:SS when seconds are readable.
**5:59**
